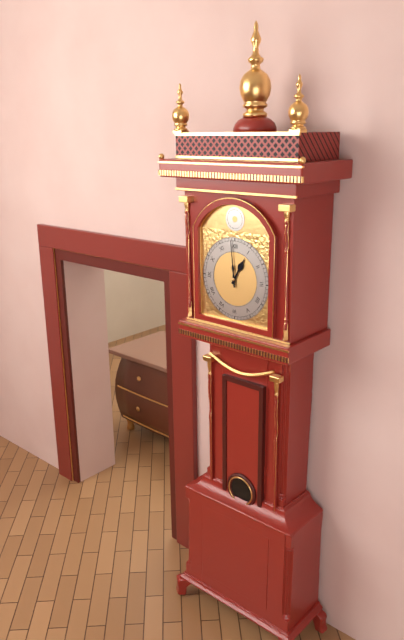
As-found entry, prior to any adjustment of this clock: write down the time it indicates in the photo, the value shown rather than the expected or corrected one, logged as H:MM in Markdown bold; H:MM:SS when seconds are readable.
**12:59**
